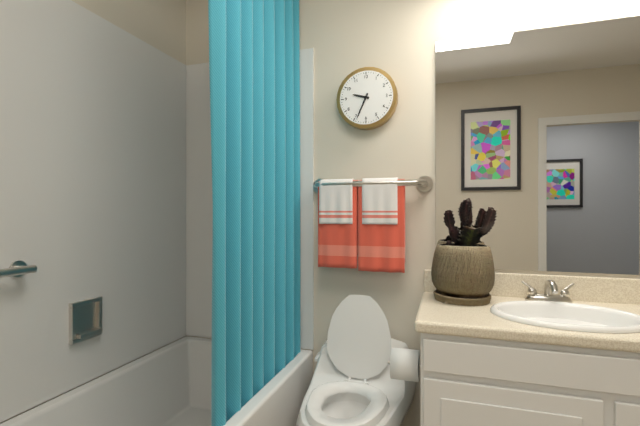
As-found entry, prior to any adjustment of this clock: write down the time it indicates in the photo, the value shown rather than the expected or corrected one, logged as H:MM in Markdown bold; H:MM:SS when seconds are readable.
**9:34**
